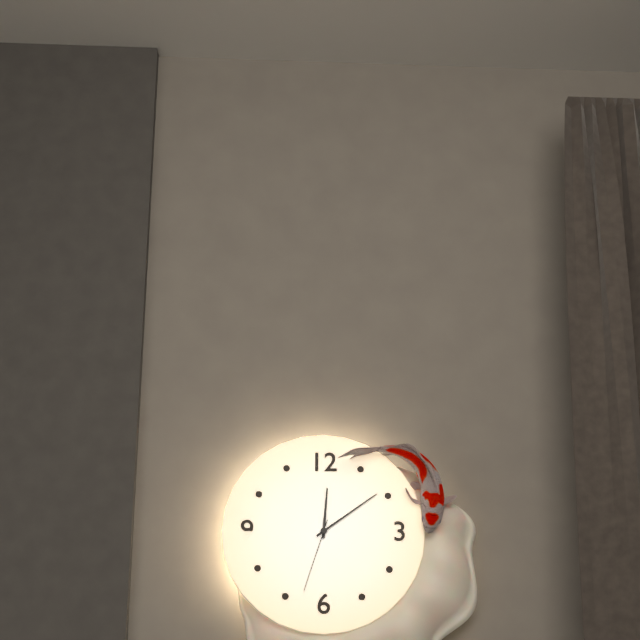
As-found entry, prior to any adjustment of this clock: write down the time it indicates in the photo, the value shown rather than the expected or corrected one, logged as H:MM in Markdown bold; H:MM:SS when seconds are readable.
**12:09:33**
